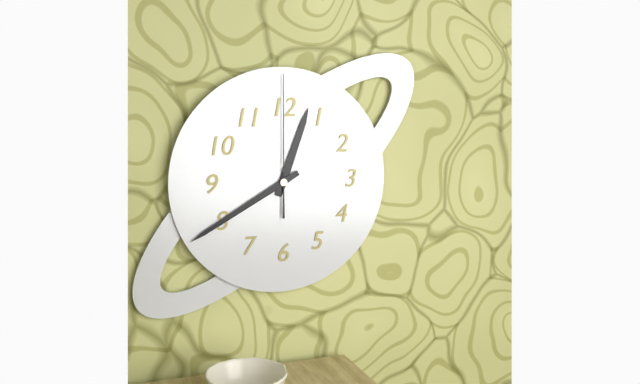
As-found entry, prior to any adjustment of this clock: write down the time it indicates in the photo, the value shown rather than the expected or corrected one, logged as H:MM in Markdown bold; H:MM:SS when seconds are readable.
**12:40:00**
